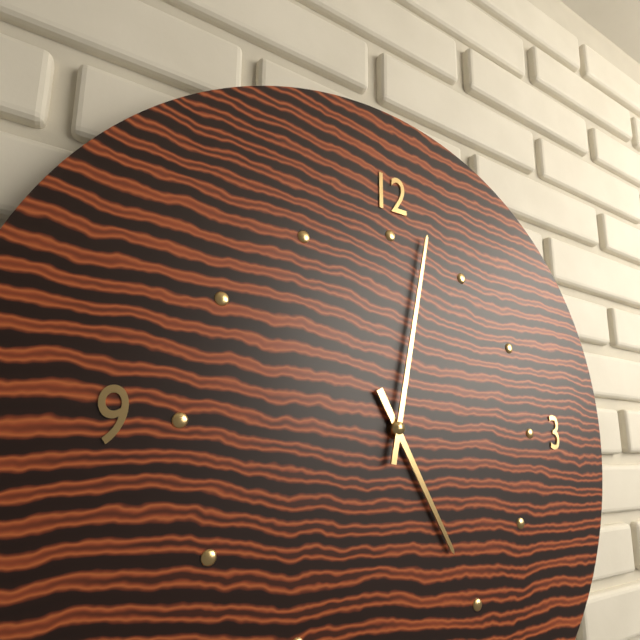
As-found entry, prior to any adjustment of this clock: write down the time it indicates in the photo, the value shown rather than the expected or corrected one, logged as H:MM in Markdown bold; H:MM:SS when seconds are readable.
**5:02**
